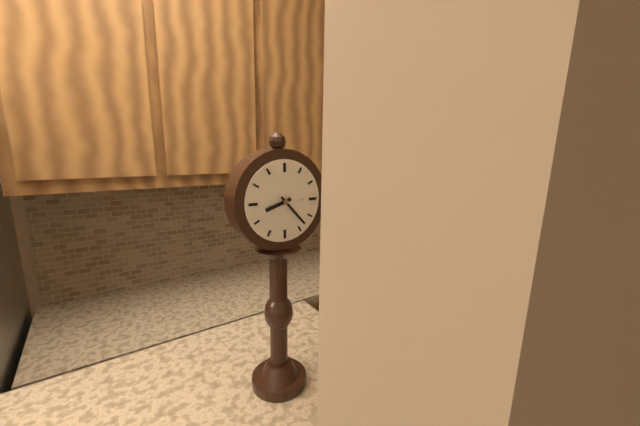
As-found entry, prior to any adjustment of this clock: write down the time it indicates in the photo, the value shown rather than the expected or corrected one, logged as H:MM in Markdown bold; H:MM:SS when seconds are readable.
**8:23**
